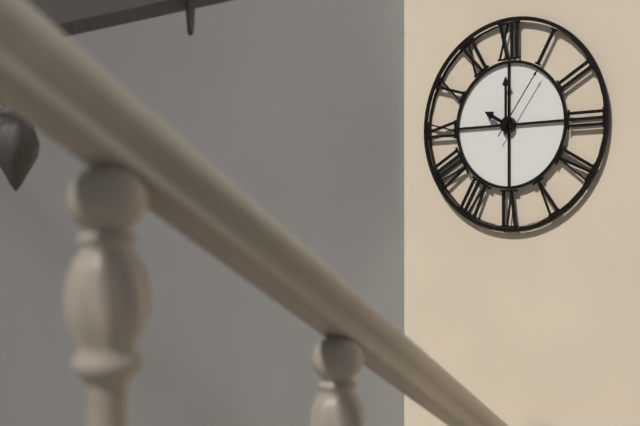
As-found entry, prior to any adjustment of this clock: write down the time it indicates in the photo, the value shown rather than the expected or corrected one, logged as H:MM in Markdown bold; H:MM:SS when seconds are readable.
**10:00:06**
